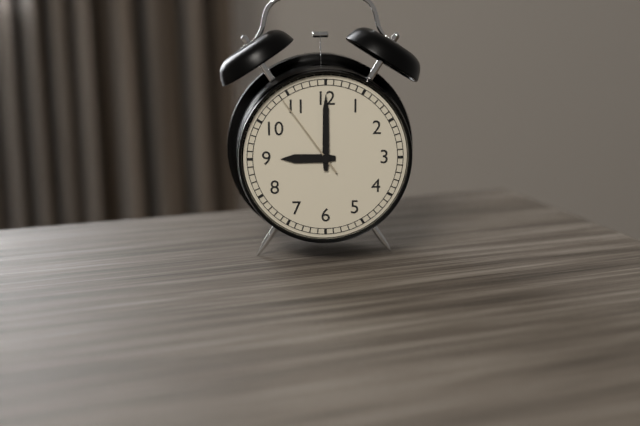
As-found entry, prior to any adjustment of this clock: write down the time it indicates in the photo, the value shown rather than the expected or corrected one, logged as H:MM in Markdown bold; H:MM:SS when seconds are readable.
**9:00:54**
